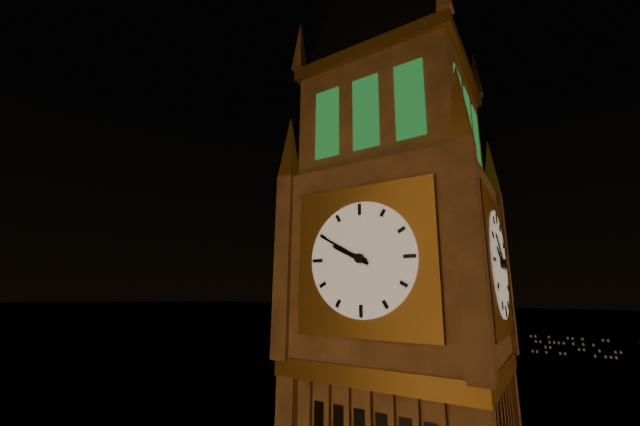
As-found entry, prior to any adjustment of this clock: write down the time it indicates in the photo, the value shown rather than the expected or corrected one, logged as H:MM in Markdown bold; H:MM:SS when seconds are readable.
**9:50**
